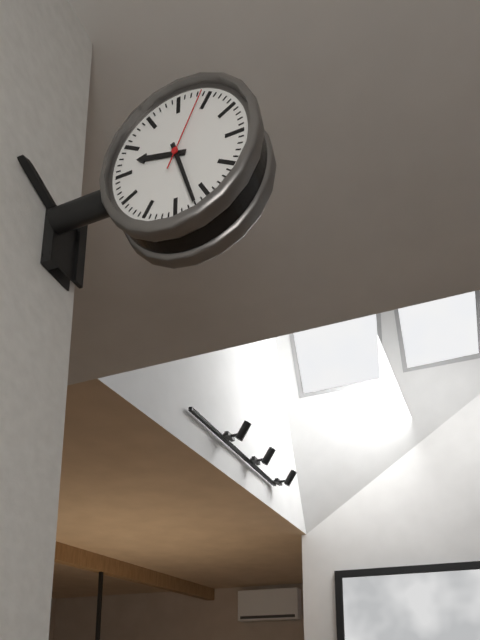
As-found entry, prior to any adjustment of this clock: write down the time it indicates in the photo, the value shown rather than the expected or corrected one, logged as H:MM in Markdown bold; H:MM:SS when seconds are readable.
**9:27:04**
